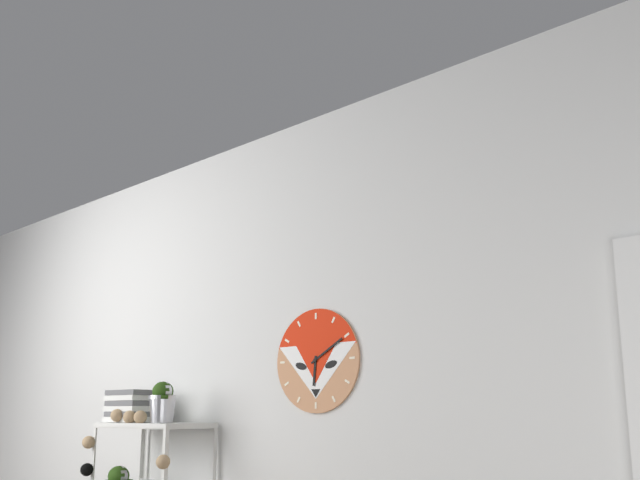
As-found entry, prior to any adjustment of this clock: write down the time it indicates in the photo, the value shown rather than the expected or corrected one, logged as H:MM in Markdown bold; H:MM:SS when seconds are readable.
**6:10**
